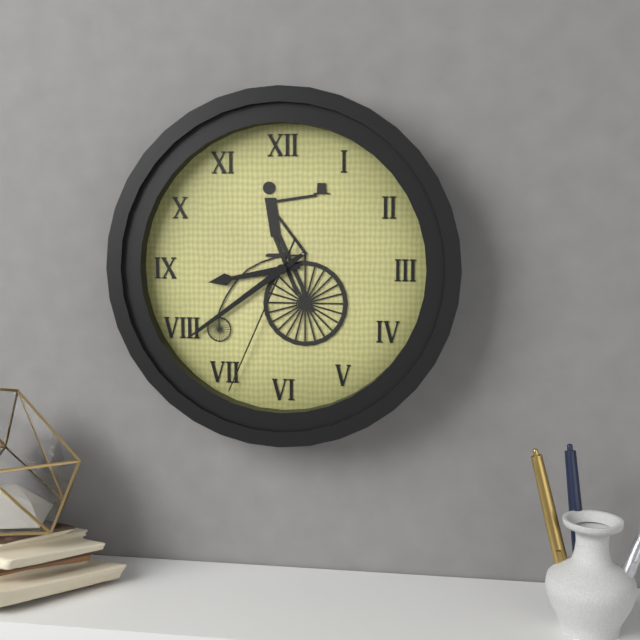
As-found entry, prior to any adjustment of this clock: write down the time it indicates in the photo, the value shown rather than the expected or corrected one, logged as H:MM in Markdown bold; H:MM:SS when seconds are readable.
**8:39:34**
